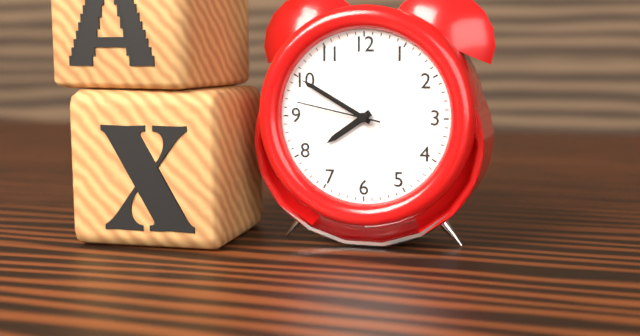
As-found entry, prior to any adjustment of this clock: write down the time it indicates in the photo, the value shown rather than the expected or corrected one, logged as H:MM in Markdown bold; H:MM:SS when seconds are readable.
**7:50:47**
